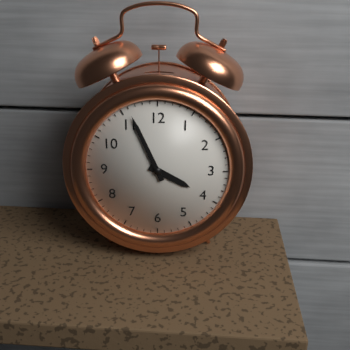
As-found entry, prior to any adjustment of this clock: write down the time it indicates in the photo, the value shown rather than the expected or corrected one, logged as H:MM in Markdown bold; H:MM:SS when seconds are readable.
**3:56**
